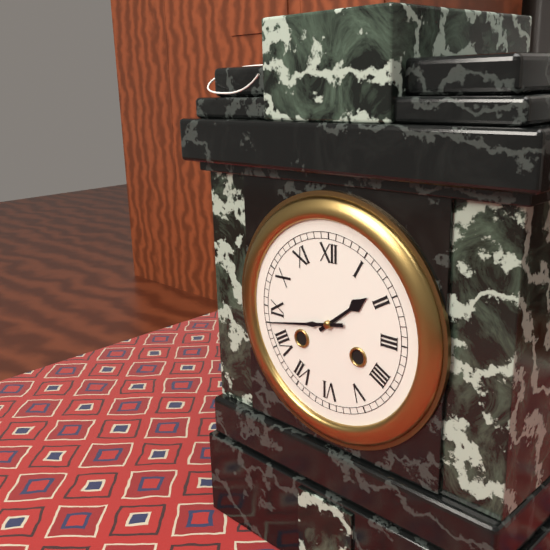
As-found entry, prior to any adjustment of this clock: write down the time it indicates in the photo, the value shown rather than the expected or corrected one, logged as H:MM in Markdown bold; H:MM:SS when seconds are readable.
**1:43**
